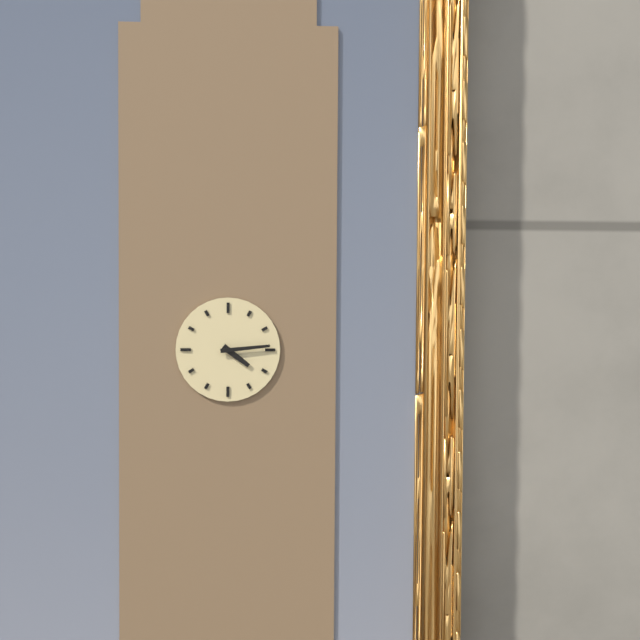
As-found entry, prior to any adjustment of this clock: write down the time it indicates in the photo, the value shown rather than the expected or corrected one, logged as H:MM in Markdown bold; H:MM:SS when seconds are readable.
**4:14**
